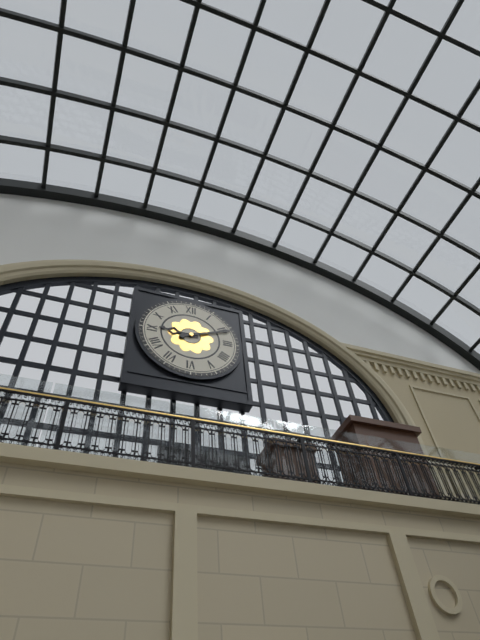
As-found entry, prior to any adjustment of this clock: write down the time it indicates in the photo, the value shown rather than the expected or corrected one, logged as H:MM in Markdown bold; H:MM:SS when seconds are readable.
**9:11**
